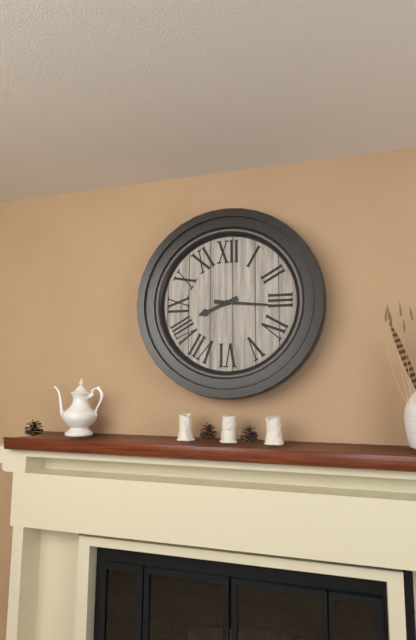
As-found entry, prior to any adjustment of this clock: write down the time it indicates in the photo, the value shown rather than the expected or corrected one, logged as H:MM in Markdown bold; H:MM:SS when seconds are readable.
**8:16**
